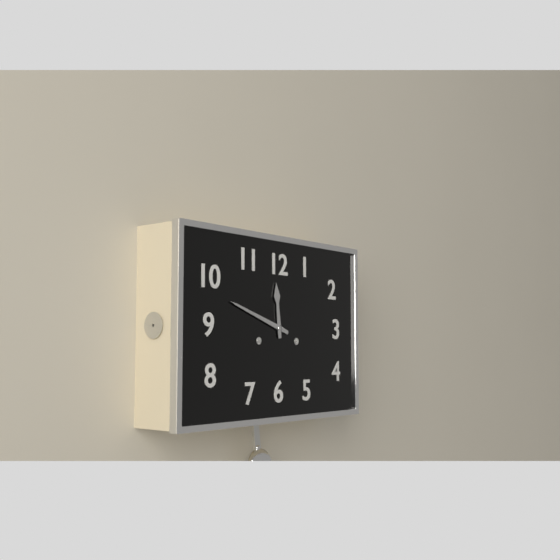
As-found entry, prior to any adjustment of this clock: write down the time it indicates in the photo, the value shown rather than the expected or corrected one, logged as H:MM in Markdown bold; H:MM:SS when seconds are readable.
**11:48**
